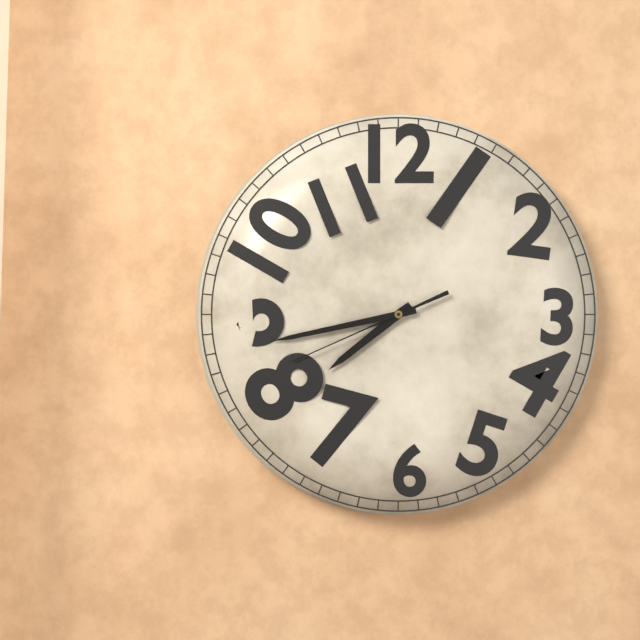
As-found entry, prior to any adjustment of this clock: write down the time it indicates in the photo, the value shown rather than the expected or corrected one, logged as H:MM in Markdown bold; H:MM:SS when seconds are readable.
**7:43:41**
